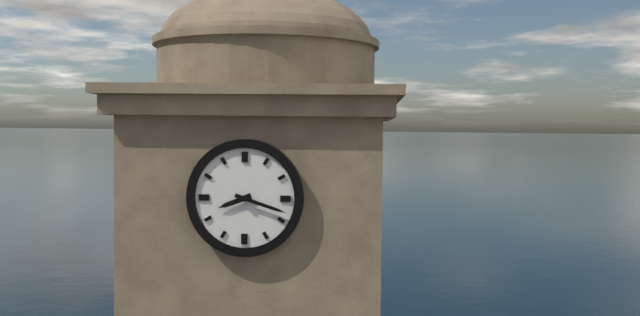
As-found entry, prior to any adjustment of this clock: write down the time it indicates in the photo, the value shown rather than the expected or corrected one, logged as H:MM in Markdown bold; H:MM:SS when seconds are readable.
**8:18**
